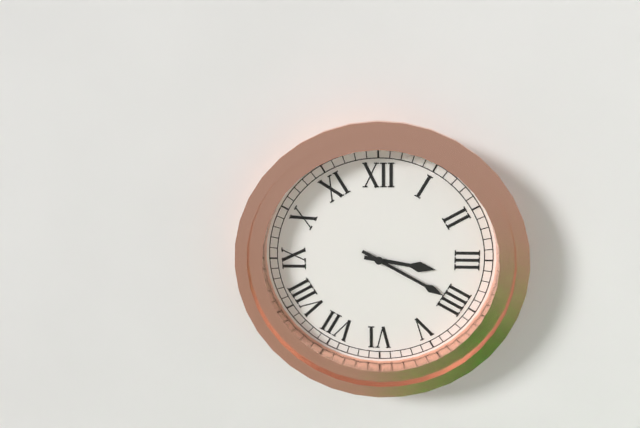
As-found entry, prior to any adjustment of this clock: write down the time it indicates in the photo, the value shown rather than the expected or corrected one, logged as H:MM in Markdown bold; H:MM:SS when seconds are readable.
**3:20**
